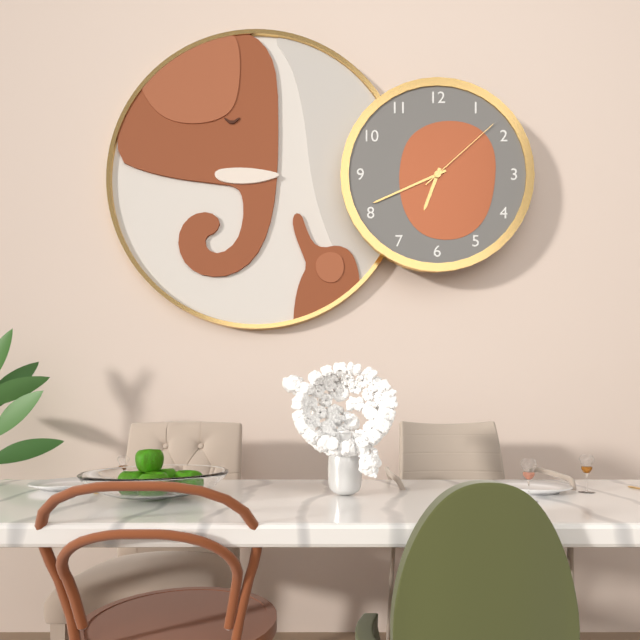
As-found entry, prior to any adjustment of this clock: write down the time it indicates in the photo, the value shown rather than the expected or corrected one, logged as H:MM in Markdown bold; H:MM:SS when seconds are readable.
**6:41:08**
